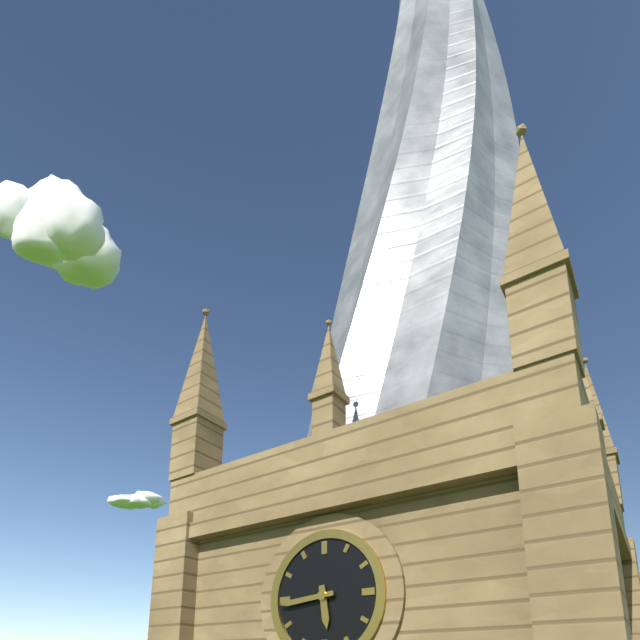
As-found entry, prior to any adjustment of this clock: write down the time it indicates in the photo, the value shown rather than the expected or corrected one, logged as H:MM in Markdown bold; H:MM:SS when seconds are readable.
**5:44**
